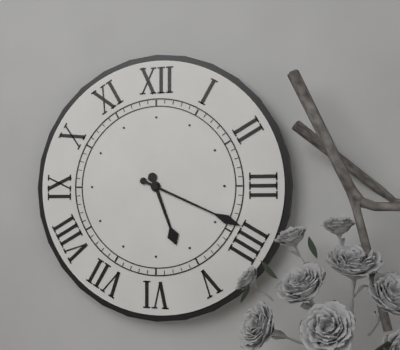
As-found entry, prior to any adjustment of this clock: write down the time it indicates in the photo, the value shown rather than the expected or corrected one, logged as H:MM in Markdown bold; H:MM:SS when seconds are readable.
**5:19**
